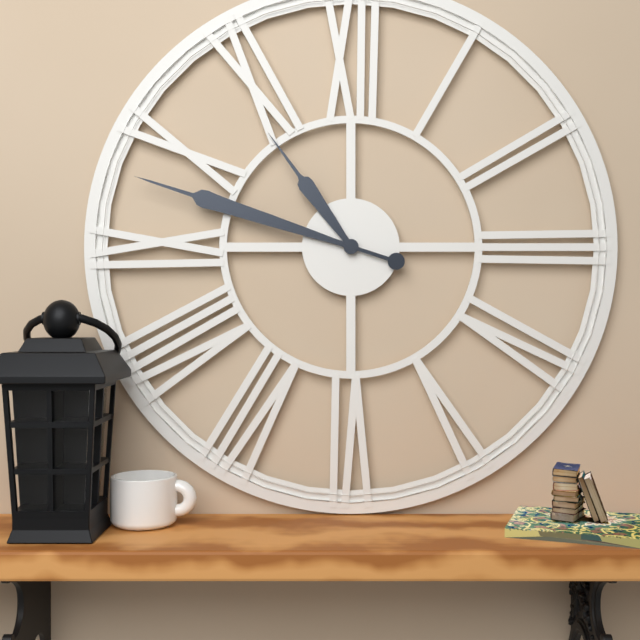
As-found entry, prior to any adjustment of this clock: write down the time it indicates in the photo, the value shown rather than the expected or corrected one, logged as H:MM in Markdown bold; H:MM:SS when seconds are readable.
**10:48**
